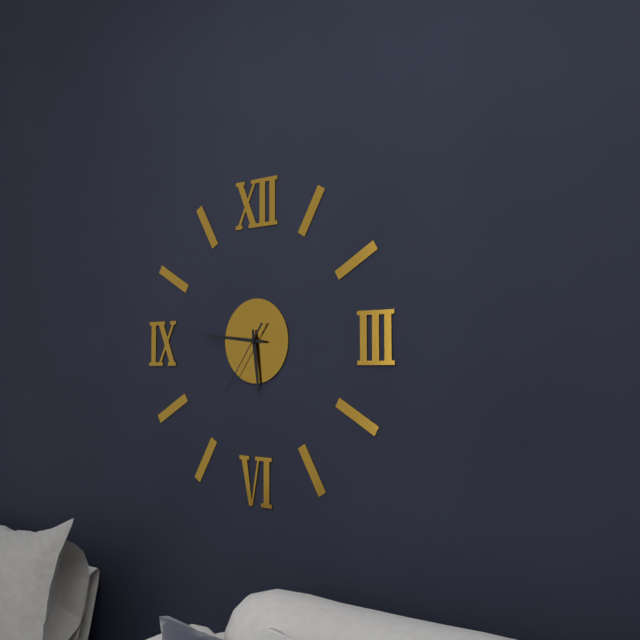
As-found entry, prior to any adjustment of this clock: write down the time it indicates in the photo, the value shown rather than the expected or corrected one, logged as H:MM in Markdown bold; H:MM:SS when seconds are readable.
**5:46:36**
